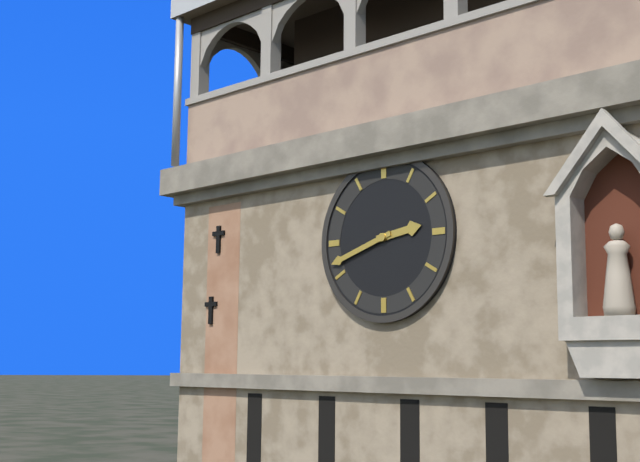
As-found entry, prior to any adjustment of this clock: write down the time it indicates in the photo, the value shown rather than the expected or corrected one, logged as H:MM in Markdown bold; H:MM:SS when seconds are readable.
**2:42**
